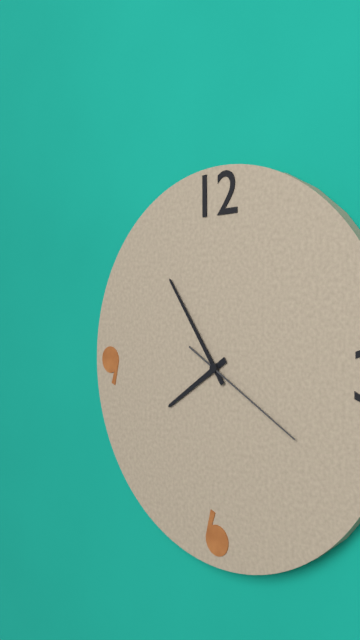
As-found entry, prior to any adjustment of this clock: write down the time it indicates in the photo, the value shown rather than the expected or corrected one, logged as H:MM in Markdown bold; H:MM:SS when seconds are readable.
**7:54:20**
